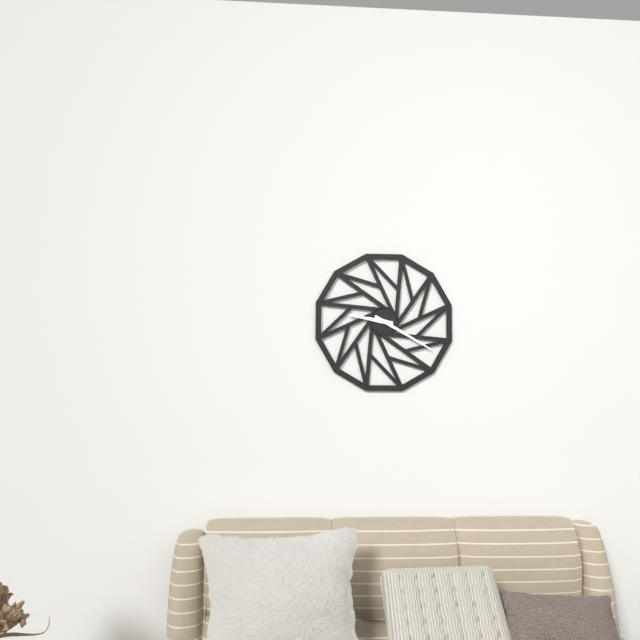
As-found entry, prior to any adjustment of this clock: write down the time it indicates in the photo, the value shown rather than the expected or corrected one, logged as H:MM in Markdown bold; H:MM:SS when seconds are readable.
**9:20**
